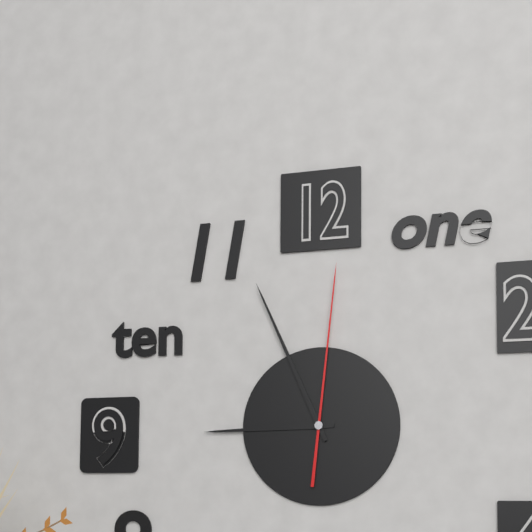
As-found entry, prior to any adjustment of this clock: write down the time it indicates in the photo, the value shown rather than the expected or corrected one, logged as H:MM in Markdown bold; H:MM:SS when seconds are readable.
**8:56:01**
